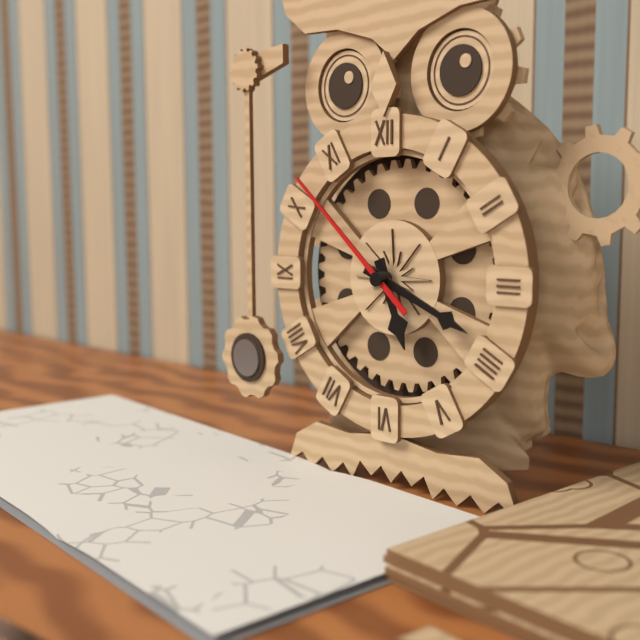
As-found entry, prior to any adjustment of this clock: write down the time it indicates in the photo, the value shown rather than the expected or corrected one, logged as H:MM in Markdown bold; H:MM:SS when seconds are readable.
**5:19:52**
